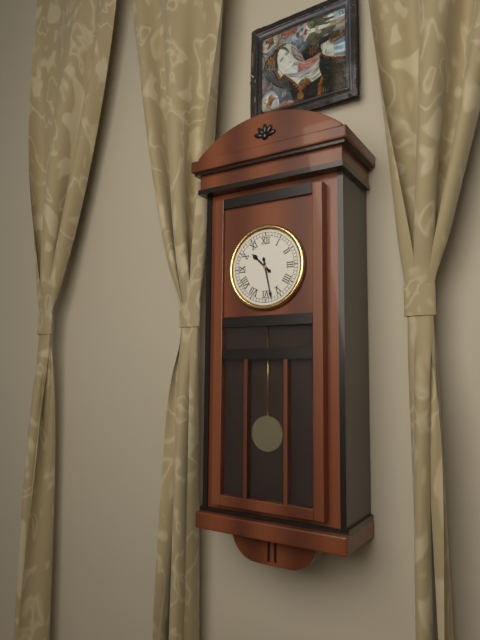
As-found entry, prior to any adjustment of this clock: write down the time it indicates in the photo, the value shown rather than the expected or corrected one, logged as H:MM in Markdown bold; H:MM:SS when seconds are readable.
**10:28**
